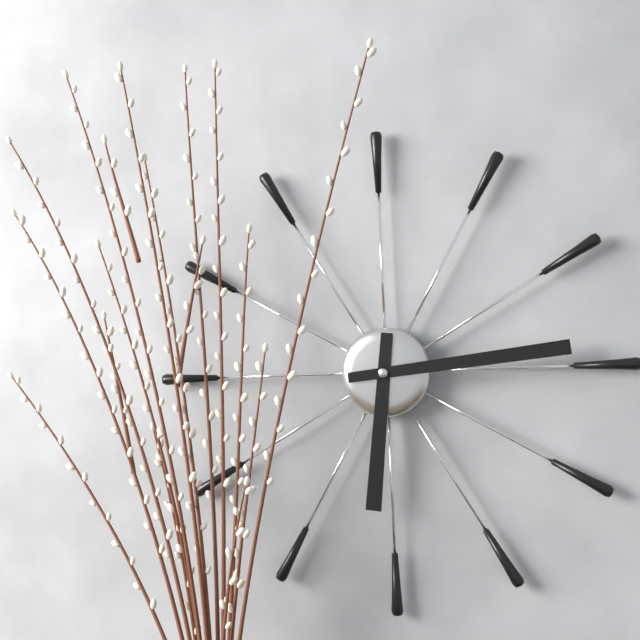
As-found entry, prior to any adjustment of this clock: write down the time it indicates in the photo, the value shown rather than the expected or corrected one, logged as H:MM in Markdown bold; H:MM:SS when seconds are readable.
**6:14**
